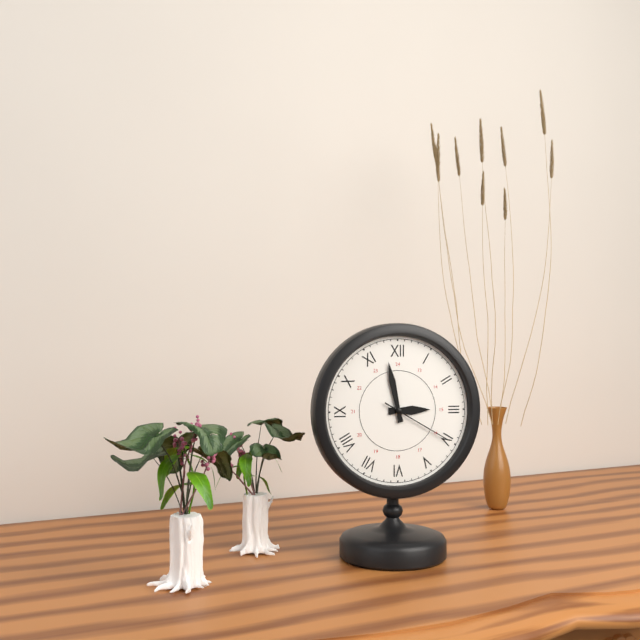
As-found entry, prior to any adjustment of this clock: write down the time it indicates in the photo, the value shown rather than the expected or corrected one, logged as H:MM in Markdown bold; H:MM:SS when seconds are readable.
**2:58:20**
